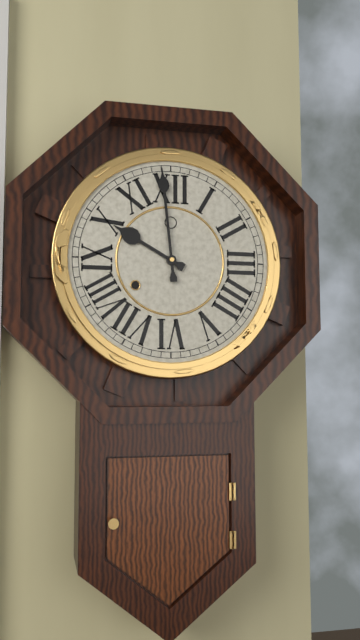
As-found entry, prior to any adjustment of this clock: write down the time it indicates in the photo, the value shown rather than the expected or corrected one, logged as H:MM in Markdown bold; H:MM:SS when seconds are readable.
**9:59**
